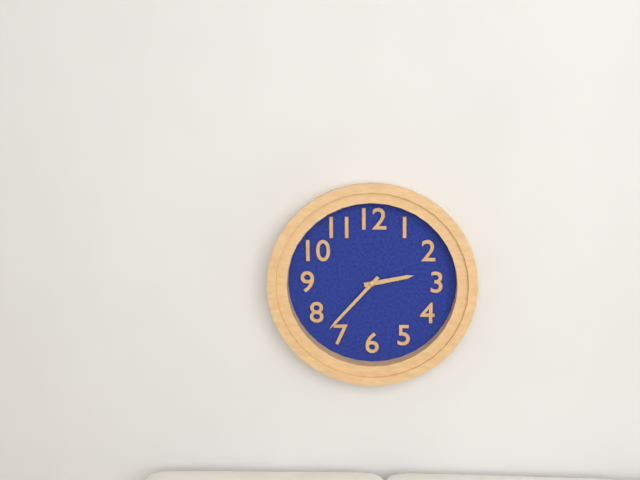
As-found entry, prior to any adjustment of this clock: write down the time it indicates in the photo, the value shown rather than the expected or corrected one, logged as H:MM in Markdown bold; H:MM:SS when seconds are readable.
**2:37**
